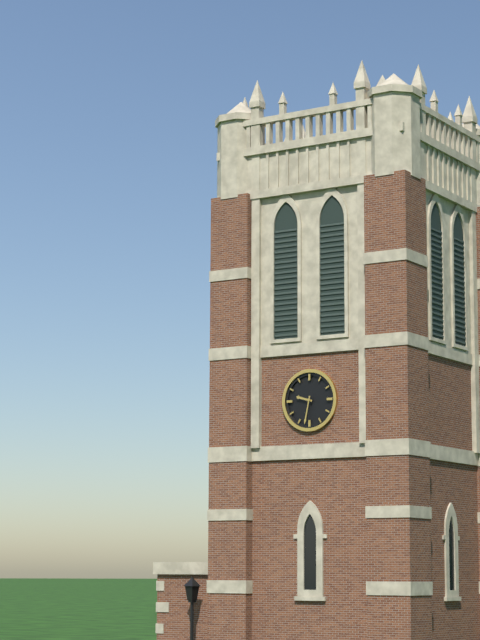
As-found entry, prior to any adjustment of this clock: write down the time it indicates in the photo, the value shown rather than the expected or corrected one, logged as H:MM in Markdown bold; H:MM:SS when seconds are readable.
**9:32**
